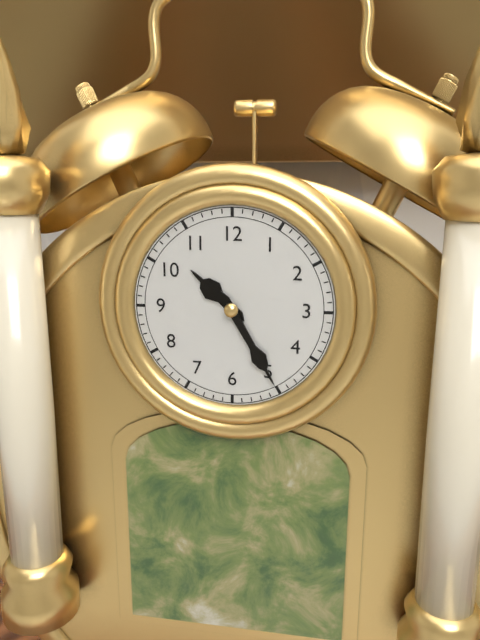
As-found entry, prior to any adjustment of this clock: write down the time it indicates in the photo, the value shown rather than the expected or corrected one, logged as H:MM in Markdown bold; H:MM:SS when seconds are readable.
**10:25**
